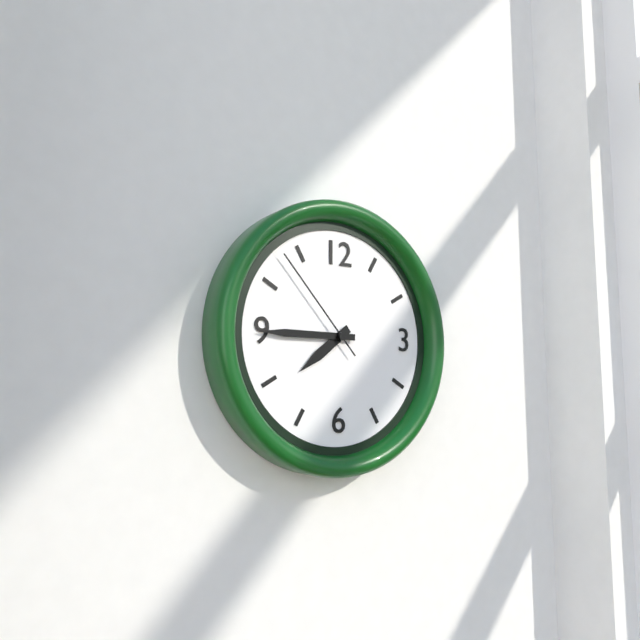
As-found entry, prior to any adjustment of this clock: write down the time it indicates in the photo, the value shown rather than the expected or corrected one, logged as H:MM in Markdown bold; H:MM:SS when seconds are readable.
**7:45:53**
